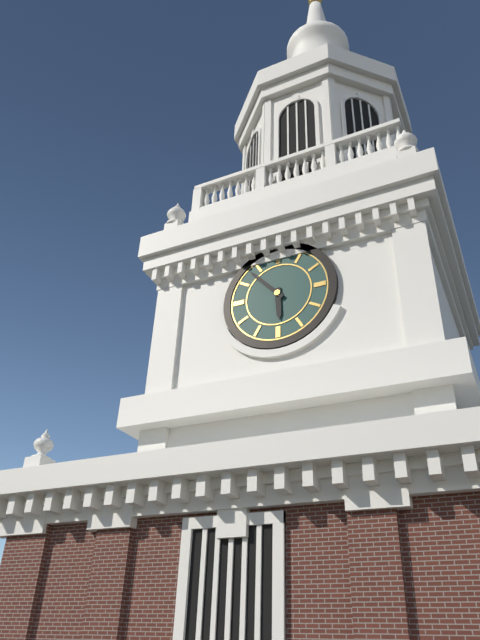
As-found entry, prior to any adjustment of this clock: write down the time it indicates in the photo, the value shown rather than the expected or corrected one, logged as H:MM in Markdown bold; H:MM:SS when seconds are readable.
**5:53**
